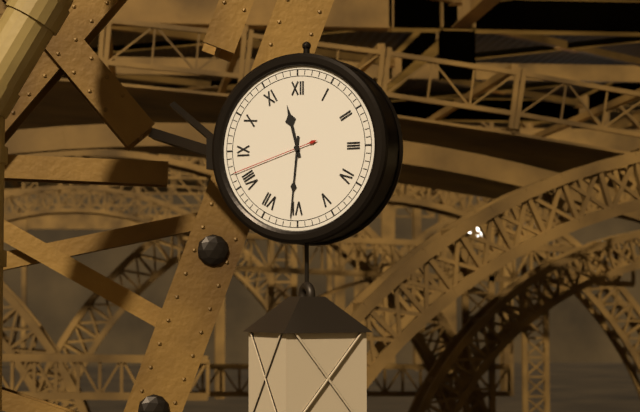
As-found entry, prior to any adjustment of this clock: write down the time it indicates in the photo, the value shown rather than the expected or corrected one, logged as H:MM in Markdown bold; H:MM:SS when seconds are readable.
**11:31:42**
